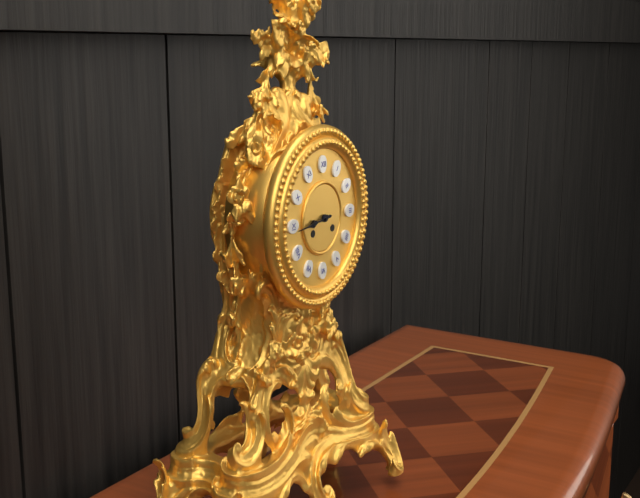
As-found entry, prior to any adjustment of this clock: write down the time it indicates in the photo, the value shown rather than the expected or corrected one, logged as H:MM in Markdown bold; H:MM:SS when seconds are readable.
**8:44**
